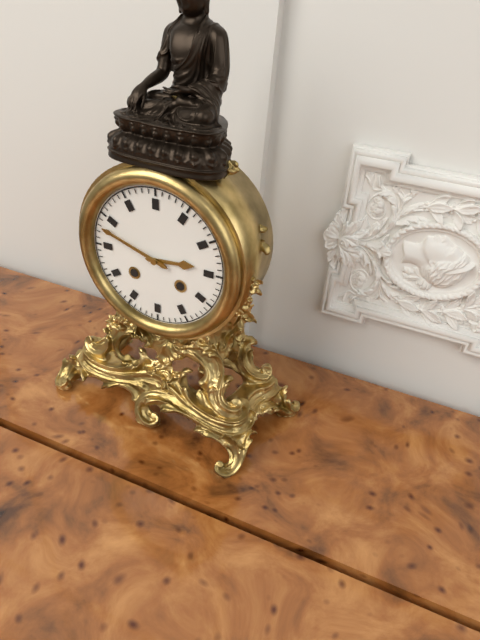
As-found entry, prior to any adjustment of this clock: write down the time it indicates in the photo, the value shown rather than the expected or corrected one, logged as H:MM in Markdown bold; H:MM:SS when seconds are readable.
**2:48**
